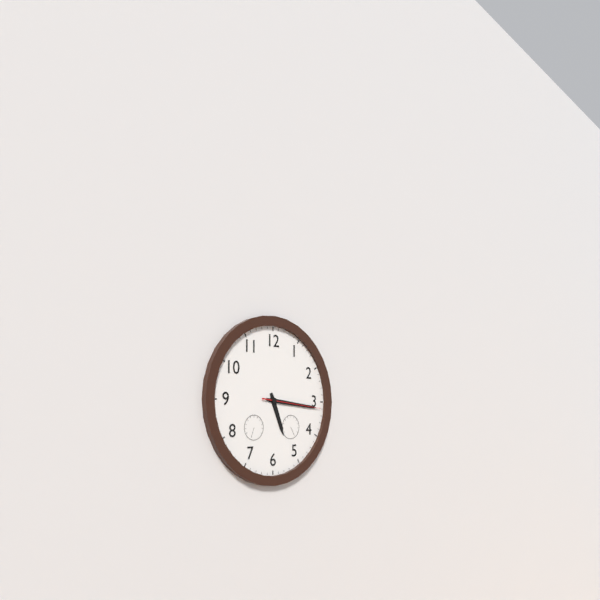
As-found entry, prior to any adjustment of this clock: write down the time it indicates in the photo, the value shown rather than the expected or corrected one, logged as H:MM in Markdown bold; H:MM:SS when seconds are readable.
**5:16:16**
